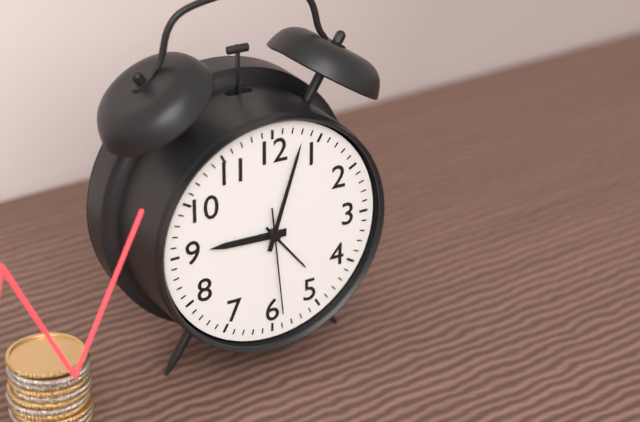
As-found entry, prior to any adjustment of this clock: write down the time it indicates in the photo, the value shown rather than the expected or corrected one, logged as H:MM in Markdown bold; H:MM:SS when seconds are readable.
**9:03:29**
